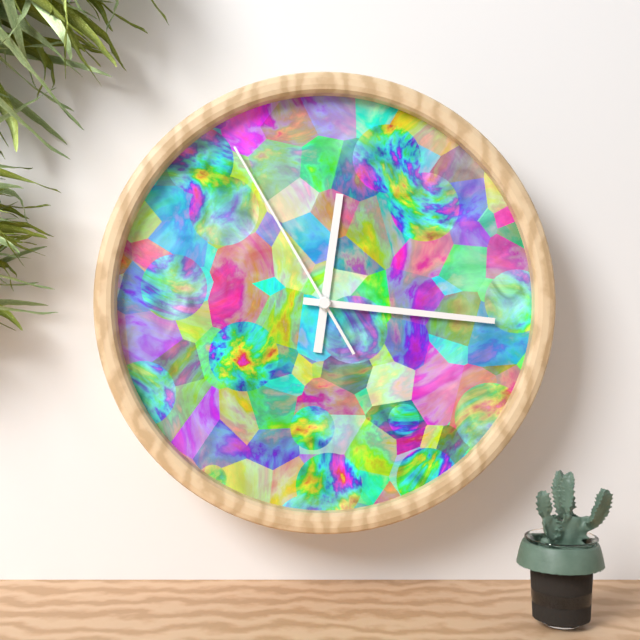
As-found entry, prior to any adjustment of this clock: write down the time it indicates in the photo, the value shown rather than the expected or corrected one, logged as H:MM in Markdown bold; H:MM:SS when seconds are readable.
**12:16:55**
